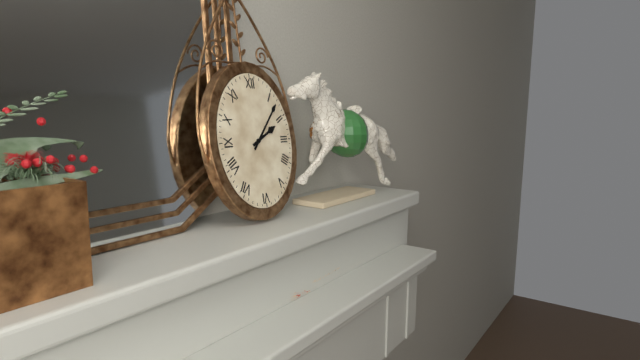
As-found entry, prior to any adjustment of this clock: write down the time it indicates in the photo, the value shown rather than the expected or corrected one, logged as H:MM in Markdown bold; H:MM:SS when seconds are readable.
**2:07**
